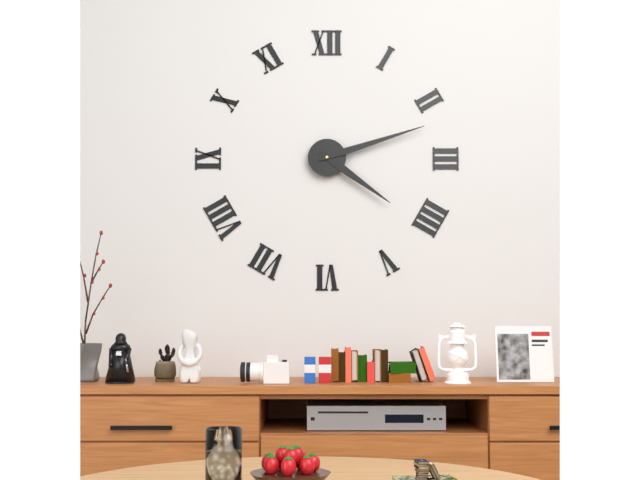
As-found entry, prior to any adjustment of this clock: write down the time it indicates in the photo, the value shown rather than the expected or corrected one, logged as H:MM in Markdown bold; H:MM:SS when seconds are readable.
**4:12**
